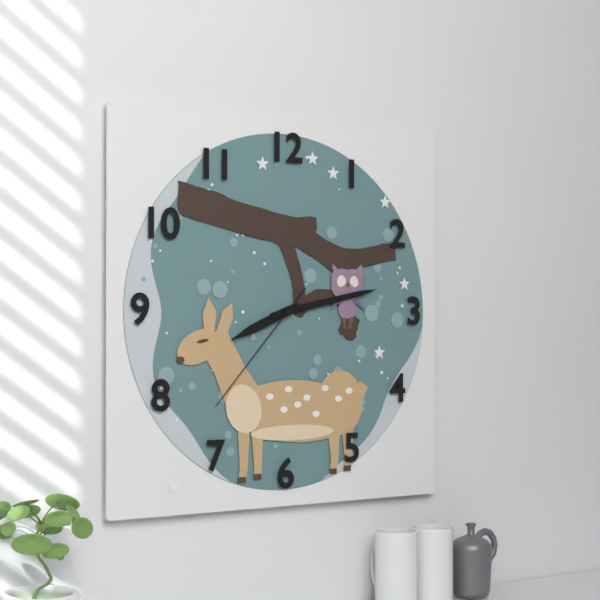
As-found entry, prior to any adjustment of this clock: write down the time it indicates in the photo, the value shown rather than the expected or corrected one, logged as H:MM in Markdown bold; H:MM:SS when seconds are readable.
**8:13:37**
